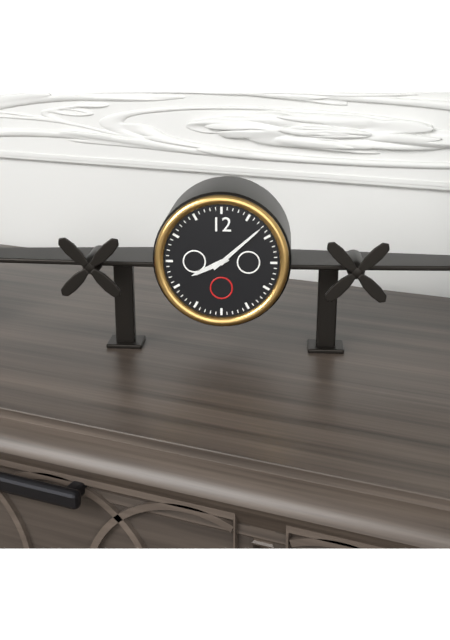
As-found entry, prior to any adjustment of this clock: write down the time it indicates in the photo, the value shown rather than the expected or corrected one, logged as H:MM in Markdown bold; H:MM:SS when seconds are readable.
**8:08**
